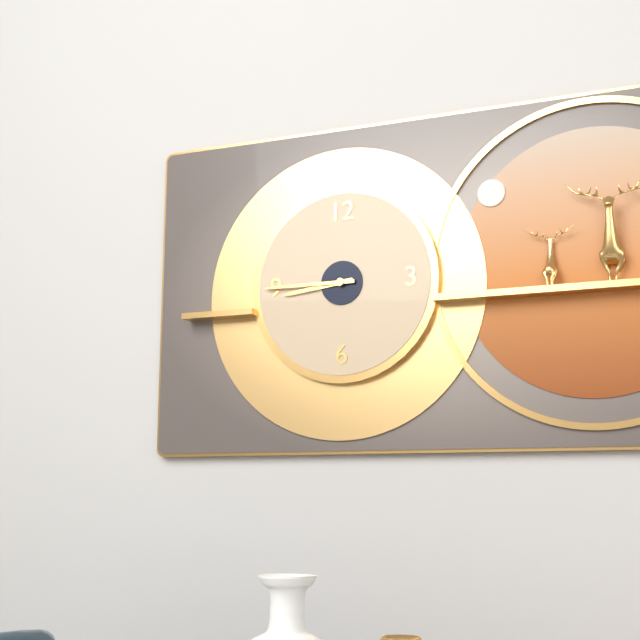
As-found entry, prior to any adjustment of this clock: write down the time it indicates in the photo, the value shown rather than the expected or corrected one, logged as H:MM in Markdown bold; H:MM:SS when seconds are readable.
**8:45**
